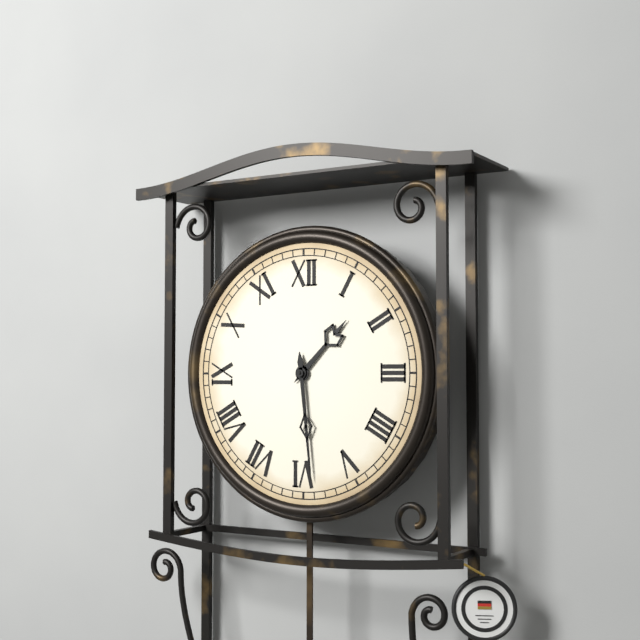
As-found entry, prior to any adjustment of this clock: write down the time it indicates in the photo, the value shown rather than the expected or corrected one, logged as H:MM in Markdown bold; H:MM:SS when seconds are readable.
**1:29**
